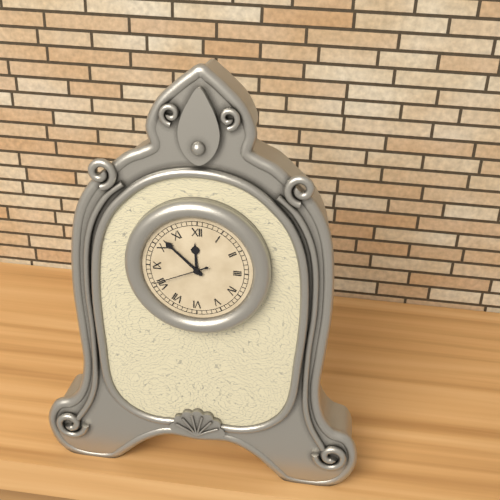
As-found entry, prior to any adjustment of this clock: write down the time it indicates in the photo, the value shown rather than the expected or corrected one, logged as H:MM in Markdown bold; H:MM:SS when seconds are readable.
**11:52:41**
